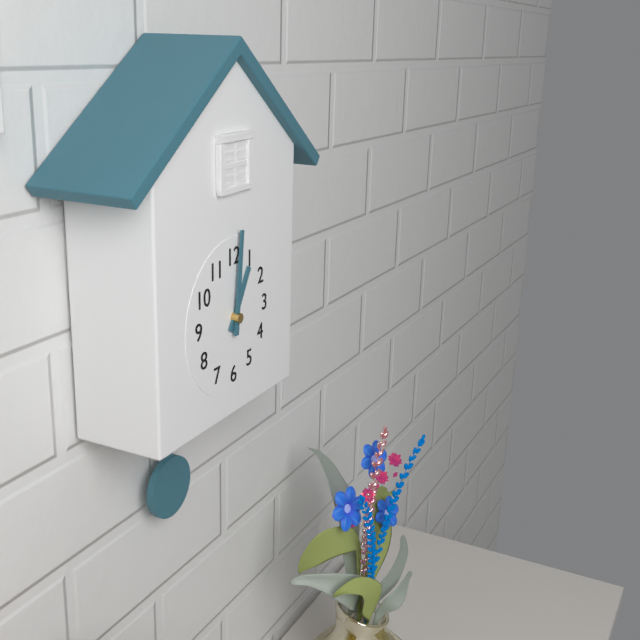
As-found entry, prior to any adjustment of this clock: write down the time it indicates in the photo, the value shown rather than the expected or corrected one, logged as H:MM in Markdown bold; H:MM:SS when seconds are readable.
**1:01**
